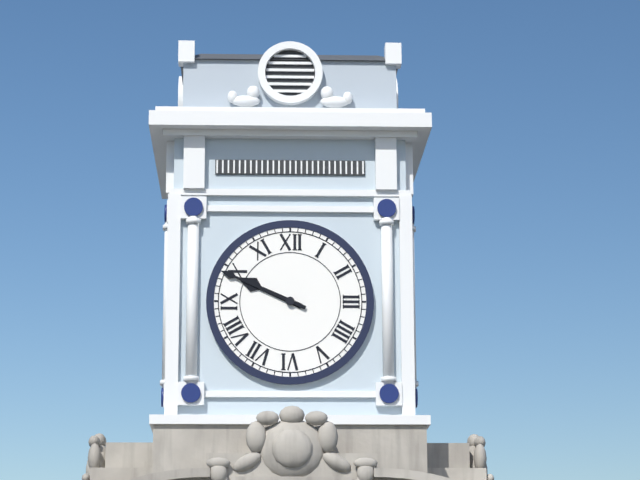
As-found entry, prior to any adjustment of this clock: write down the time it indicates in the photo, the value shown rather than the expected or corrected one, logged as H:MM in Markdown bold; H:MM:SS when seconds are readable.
**9:49**
